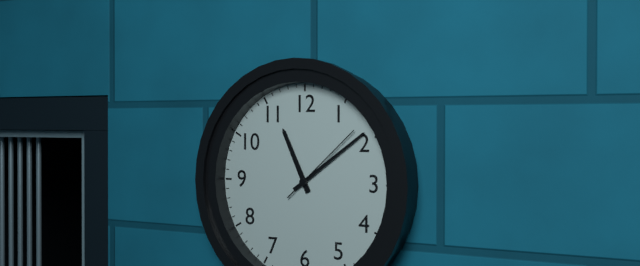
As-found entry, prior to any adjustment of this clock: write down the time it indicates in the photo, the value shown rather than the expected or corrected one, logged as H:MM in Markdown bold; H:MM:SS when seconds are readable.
**11:09:08**
